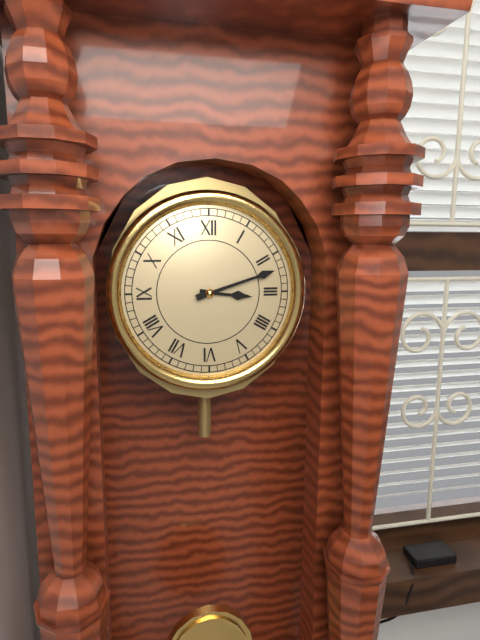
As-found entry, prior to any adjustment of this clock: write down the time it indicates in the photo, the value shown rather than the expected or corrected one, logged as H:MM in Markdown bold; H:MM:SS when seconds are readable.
**3:12**
